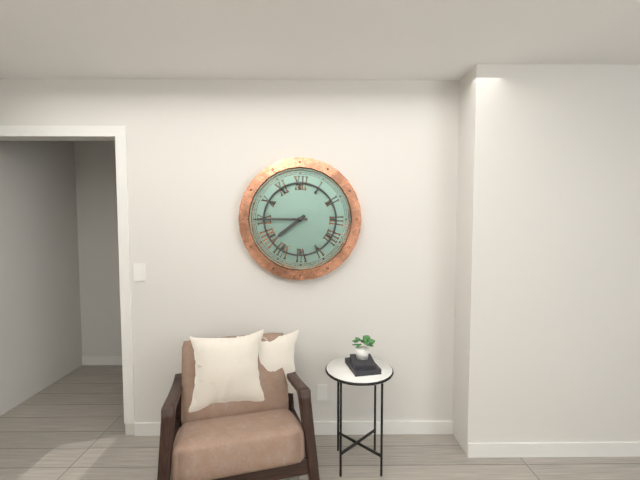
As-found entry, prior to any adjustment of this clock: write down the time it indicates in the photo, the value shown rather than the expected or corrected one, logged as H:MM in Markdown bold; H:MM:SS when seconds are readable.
**7:45**
